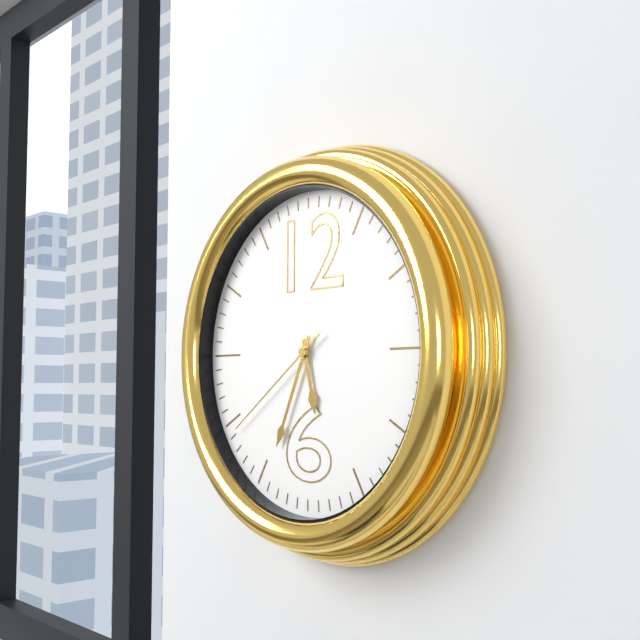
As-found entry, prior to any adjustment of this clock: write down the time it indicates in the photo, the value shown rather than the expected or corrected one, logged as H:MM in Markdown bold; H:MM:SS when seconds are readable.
**5:34:39**
